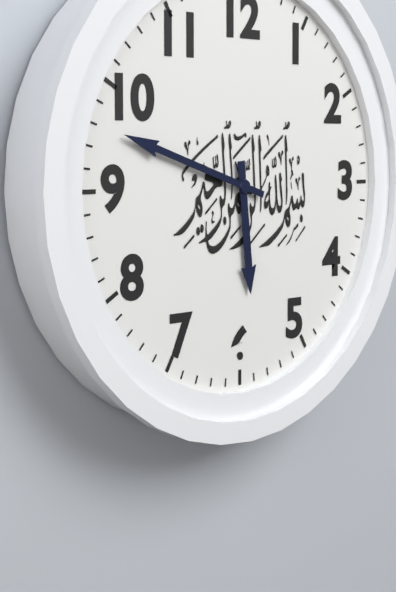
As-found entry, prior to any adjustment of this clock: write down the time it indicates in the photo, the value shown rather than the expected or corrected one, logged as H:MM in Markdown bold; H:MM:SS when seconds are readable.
**5:48**
